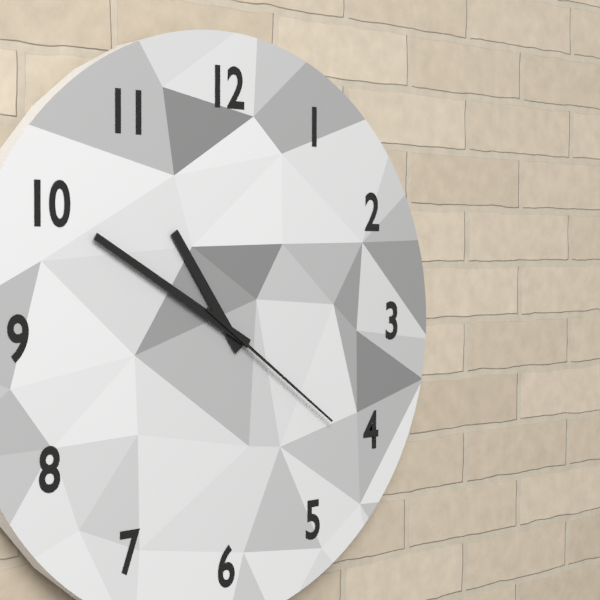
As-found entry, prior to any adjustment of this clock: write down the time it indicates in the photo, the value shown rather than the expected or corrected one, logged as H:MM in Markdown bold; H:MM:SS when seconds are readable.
**10:50:21**
